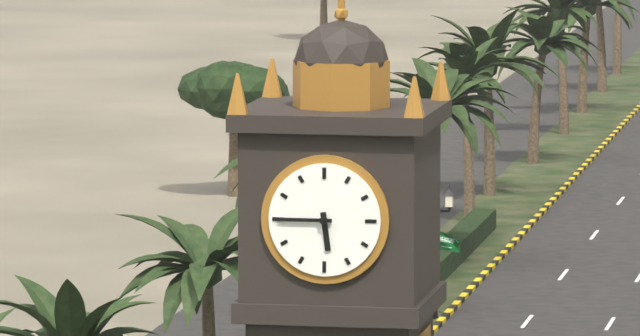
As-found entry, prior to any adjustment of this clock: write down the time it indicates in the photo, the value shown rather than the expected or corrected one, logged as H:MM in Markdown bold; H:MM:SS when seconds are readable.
**5:45**
